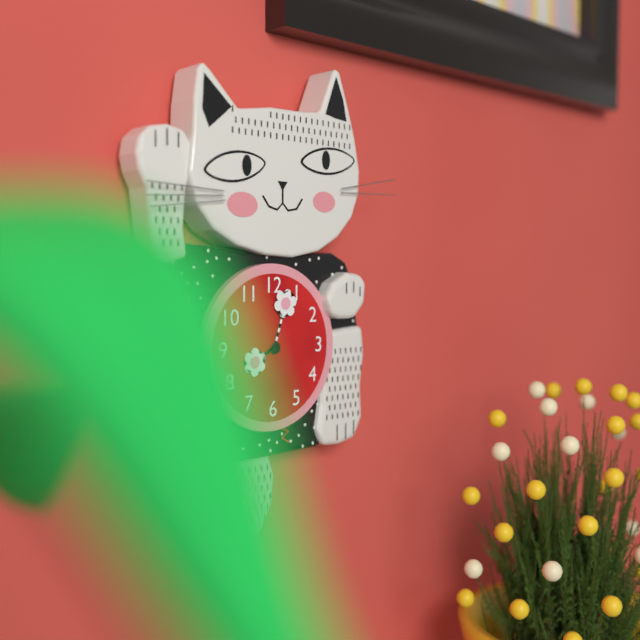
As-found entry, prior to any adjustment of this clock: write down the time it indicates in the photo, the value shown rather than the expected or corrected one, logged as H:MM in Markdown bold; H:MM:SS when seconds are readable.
**8:03**
